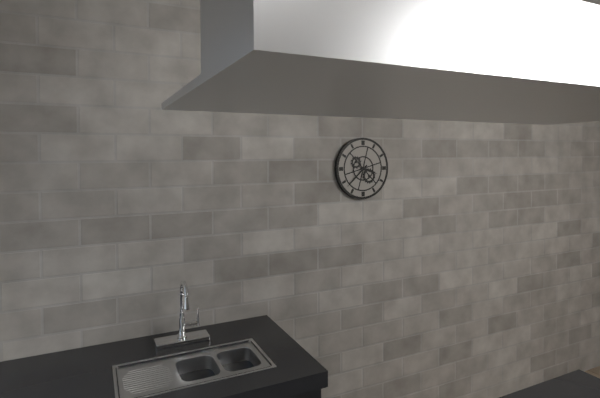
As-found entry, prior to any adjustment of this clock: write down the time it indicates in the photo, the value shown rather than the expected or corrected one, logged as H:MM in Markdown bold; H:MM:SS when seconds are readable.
**3:38**
